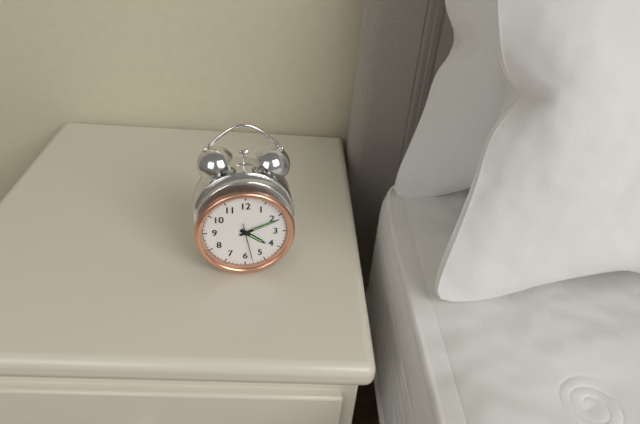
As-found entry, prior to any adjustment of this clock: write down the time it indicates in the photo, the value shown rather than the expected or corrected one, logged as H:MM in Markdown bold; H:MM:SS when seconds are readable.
**4:11**
